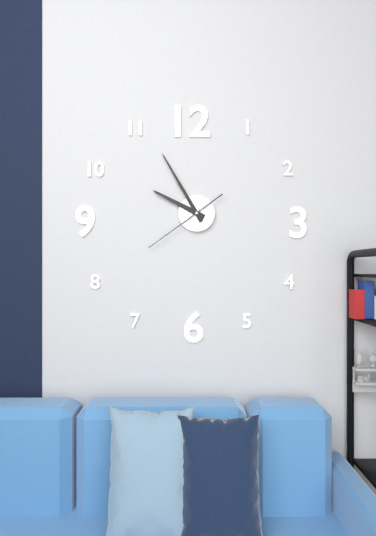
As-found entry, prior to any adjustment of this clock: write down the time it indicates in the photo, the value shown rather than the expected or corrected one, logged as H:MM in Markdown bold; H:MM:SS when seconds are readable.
**9:55:39**
